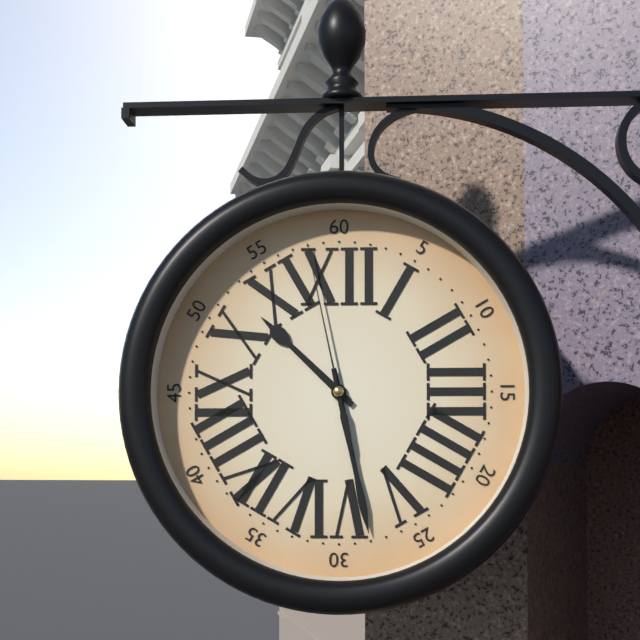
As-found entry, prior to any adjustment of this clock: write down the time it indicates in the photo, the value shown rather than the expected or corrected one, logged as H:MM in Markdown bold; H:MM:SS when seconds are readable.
**10:28:58**
